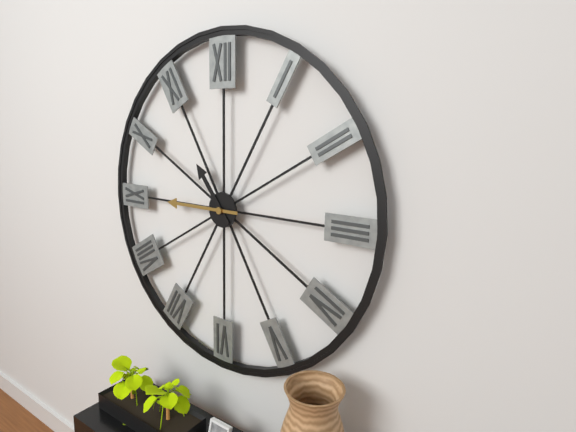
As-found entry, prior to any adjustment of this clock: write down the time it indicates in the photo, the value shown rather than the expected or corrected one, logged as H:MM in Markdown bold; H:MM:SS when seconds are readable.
**10:45**
